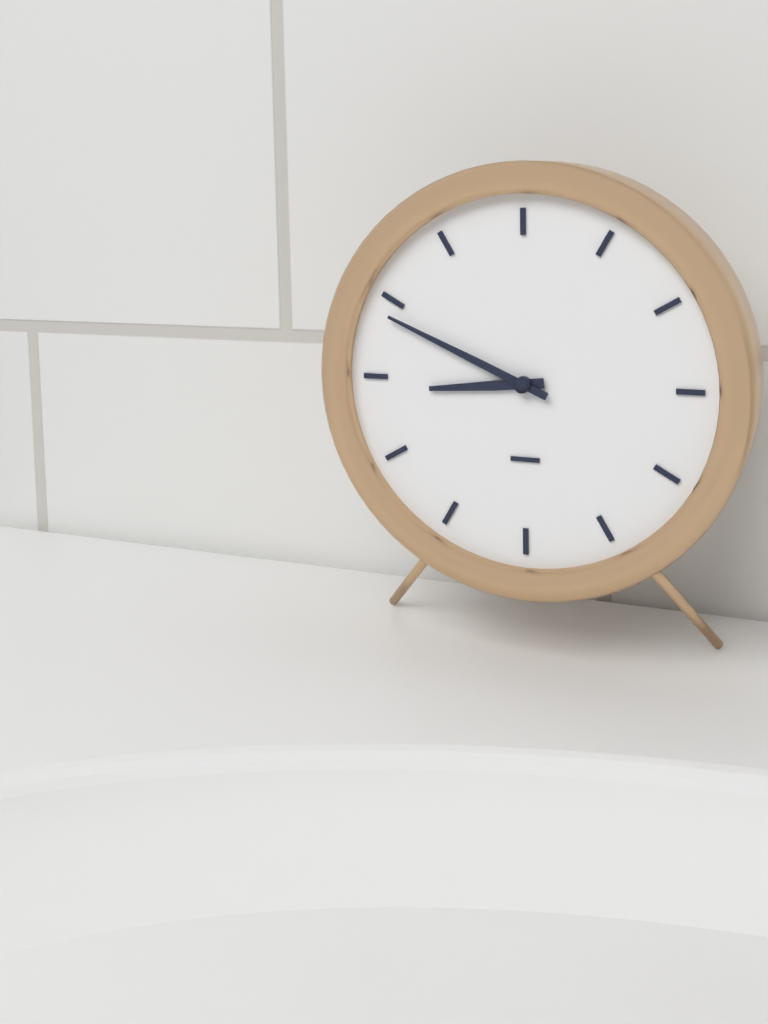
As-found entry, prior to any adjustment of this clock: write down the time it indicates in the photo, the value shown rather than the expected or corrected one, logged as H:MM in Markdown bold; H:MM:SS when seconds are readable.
**8:49**
